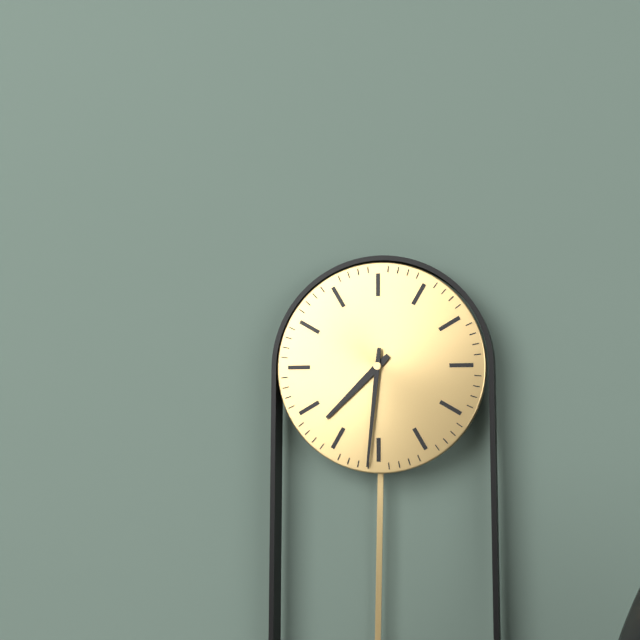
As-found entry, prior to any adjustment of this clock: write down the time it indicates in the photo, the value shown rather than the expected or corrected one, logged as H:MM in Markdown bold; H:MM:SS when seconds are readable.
**7:31**
